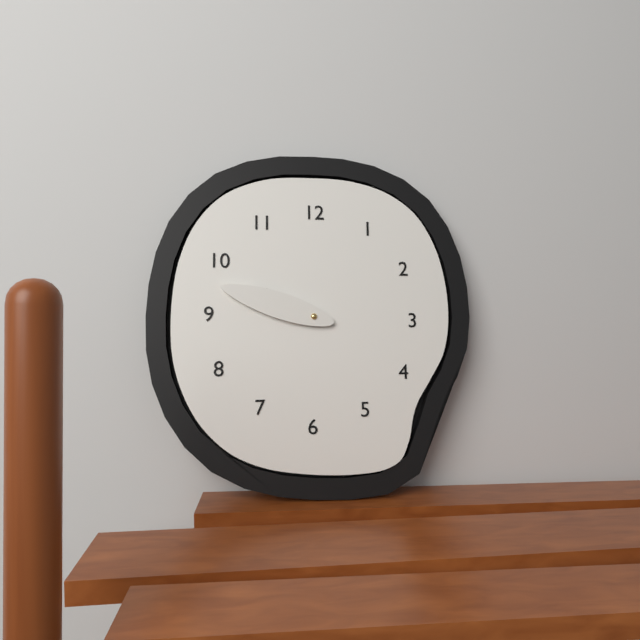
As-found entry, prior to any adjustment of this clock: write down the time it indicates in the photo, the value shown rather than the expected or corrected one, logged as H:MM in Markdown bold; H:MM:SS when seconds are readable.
**9:48**
